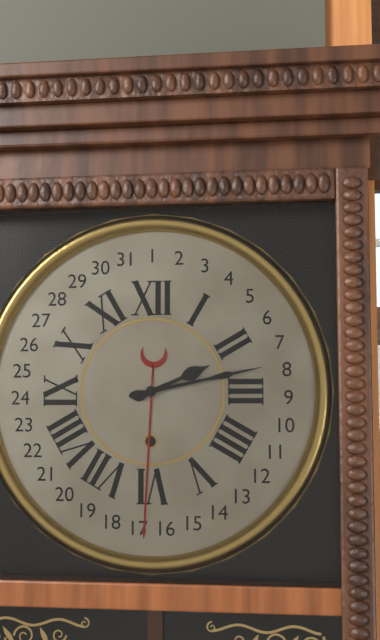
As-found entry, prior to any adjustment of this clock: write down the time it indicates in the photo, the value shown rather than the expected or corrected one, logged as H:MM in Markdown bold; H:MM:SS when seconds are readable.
**2:13**
